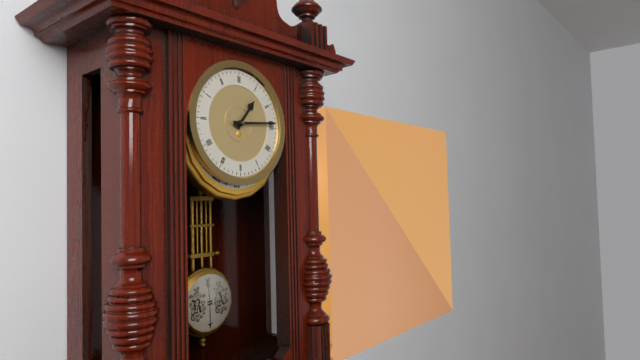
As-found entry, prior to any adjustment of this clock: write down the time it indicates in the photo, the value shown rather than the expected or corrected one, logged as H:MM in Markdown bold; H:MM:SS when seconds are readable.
**1:14**
